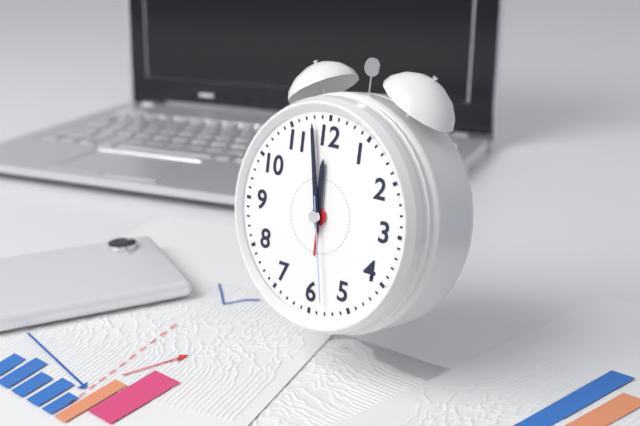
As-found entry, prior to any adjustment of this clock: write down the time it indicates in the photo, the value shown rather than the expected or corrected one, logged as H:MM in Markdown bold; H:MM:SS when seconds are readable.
**11:58:28**
